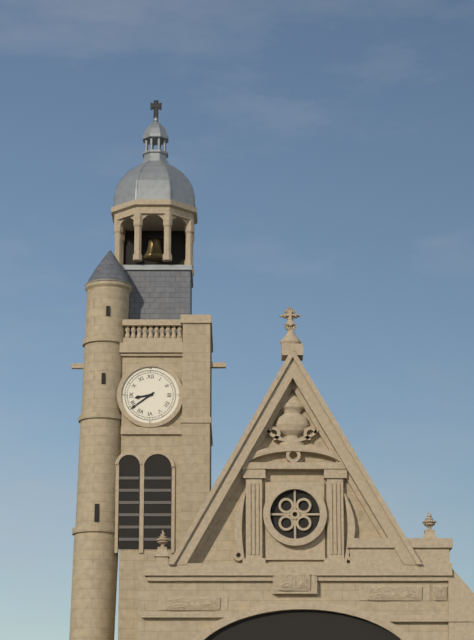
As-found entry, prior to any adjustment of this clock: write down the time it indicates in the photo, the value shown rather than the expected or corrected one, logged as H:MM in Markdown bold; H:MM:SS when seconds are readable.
**8:39**
